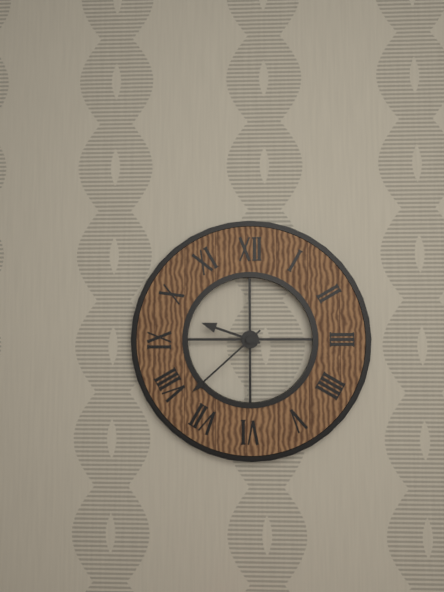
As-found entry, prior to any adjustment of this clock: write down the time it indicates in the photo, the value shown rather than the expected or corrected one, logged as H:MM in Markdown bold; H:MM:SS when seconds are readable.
**9:38**
